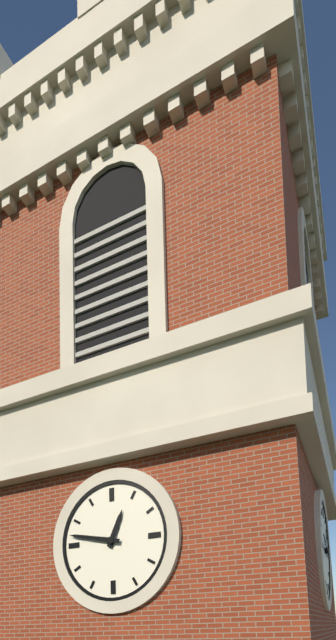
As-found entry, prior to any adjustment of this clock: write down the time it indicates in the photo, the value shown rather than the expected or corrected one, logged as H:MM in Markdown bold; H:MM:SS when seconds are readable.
**12:47**
